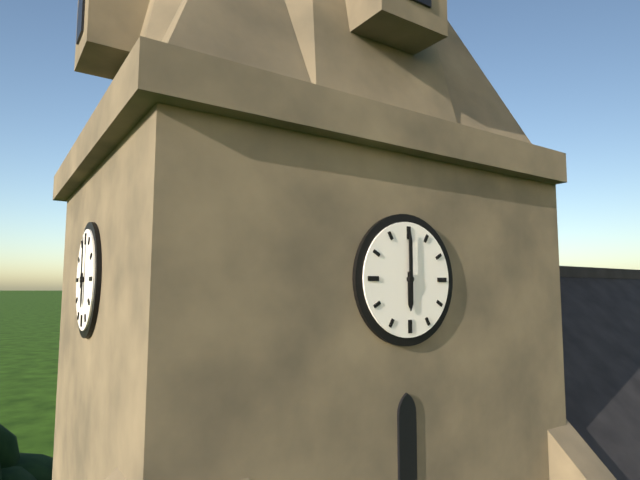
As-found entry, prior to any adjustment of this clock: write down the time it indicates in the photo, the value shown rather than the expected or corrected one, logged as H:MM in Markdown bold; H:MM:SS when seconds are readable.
**6:00**
